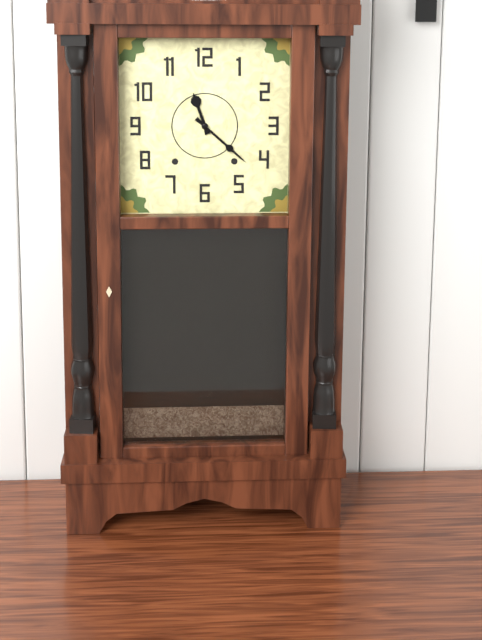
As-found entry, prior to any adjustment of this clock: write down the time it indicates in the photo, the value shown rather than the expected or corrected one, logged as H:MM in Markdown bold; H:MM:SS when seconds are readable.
**11:22**
